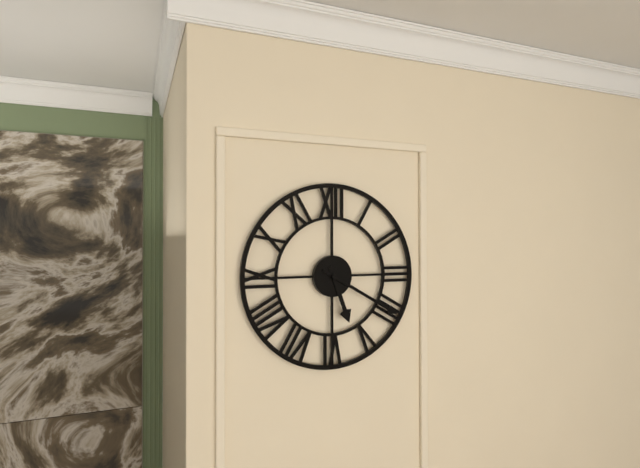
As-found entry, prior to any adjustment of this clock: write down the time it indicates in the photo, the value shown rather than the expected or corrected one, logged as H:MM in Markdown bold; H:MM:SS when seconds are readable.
**5:20**
